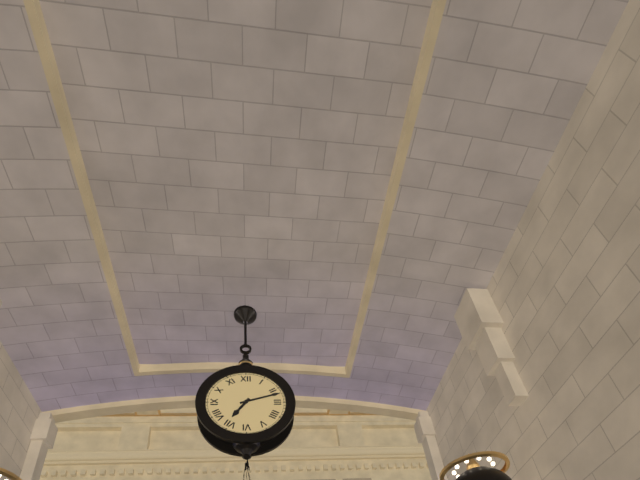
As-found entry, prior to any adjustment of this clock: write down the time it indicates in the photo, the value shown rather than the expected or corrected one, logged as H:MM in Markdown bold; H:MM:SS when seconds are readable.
**7:12**
